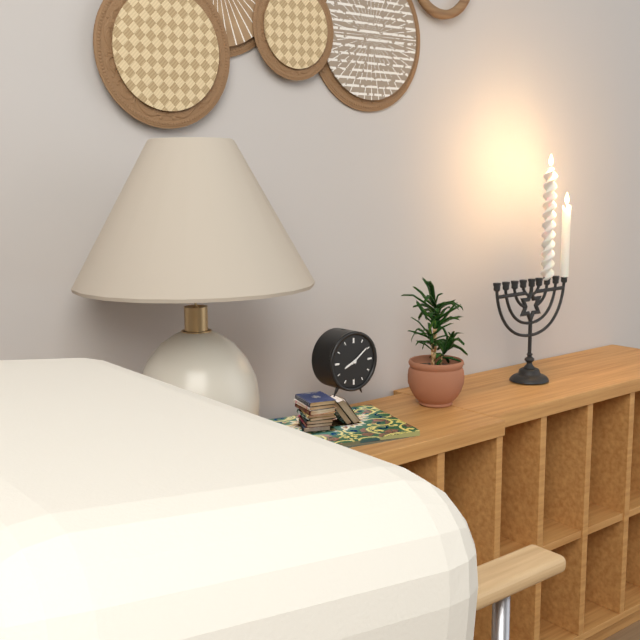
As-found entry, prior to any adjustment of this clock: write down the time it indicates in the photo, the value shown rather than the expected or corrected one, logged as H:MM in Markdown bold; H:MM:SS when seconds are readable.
**8:09**
